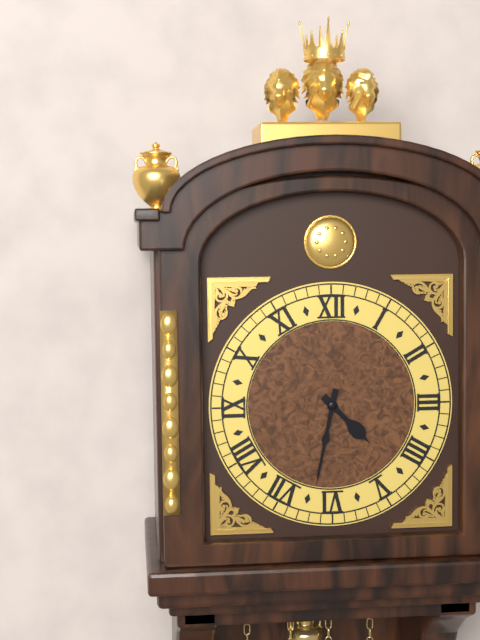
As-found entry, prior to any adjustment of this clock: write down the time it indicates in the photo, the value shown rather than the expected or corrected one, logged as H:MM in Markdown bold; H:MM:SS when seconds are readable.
**4:32**
